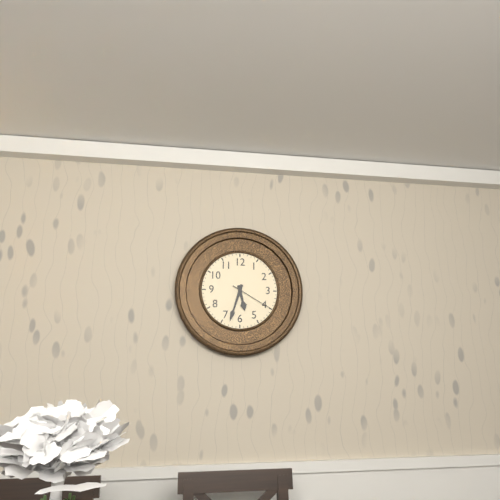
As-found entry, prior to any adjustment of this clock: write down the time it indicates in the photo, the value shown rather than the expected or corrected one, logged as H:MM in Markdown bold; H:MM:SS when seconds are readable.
**5:33**
